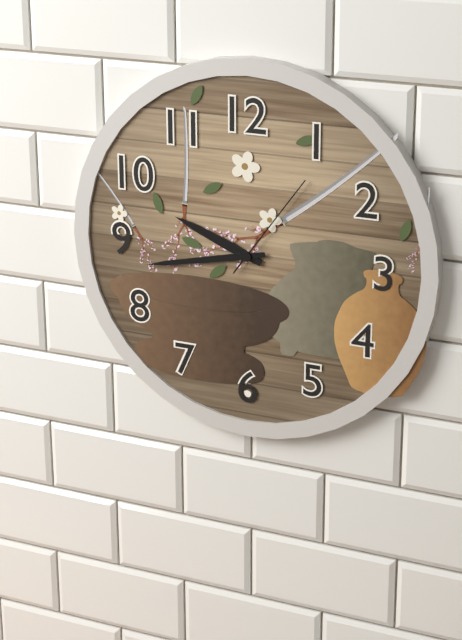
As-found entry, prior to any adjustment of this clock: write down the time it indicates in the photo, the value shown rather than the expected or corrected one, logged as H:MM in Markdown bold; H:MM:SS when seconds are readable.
**9:43:06**
